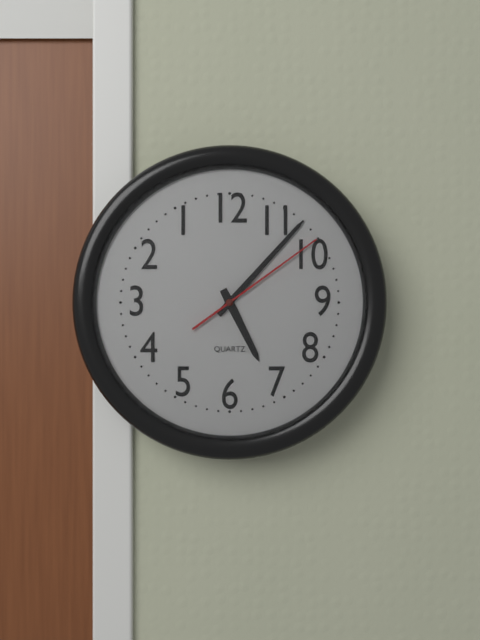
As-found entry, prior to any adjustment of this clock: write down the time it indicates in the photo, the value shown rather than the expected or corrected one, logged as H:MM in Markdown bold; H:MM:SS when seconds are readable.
**5:07:09**
